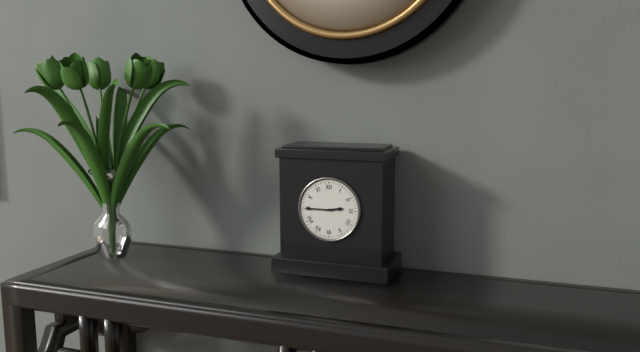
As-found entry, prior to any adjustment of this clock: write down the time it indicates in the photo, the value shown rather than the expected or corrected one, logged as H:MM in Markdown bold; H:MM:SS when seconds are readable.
**2:45**
